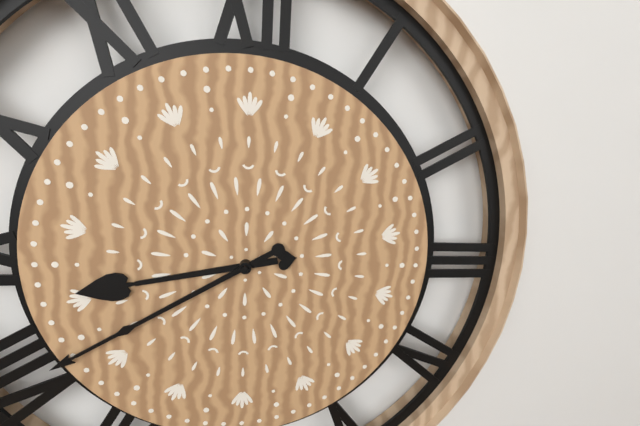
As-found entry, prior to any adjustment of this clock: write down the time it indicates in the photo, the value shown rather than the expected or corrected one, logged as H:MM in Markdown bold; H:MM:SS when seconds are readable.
**8:40**
